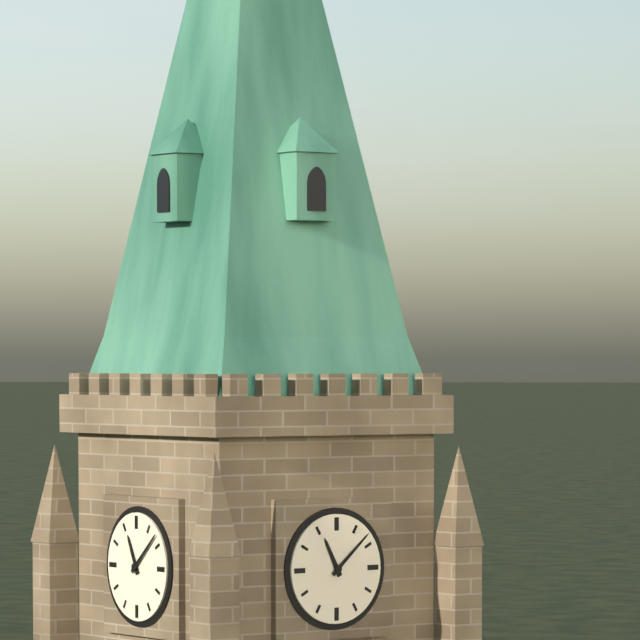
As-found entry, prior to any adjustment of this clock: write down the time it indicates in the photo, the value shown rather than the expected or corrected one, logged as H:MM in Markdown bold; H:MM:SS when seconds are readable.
**11:08**
